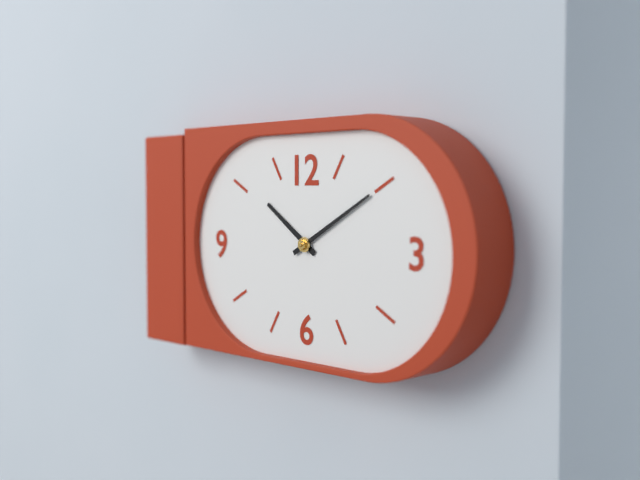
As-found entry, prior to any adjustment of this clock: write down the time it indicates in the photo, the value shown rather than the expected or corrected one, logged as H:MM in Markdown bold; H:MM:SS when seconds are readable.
**10:10**
